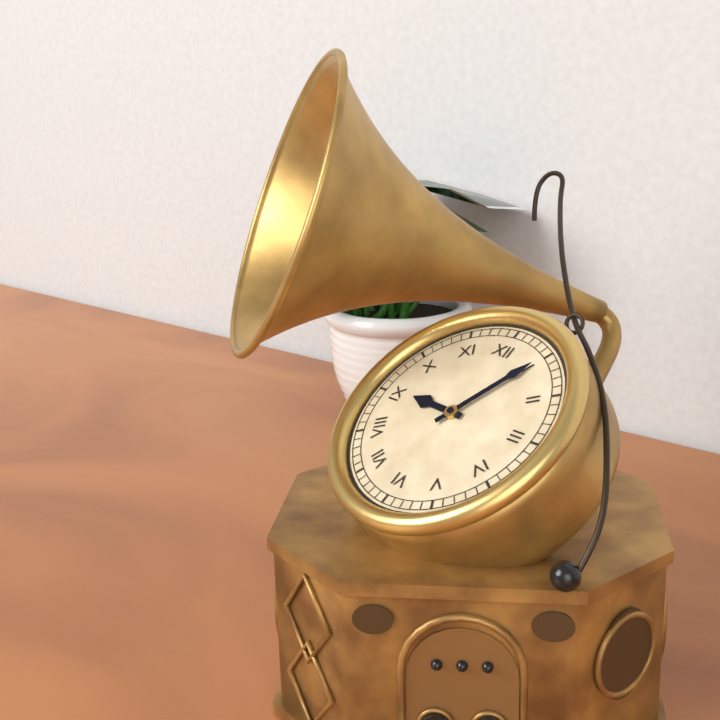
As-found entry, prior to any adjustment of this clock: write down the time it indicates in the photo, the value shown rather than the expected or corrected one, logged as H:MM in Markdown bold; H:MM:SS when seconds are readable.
**9:05**
